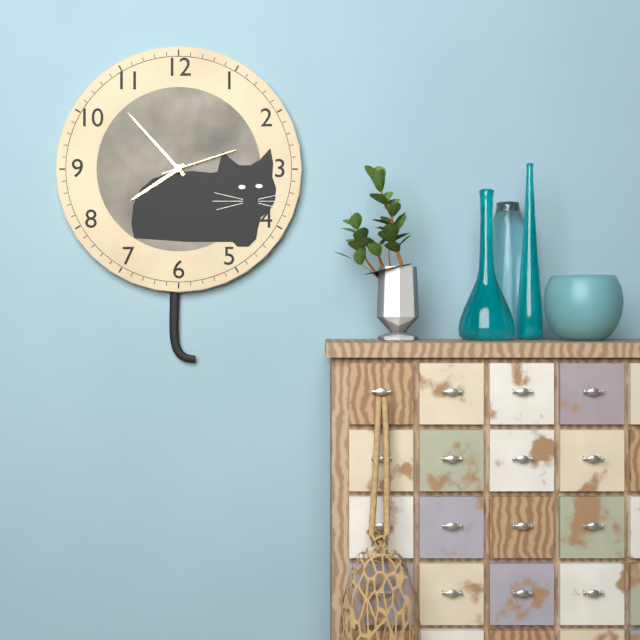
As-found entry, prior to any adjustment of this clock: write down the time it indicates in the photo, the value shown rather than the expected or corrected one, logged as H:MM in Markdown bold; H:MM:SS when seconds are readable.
**7:53:12**
